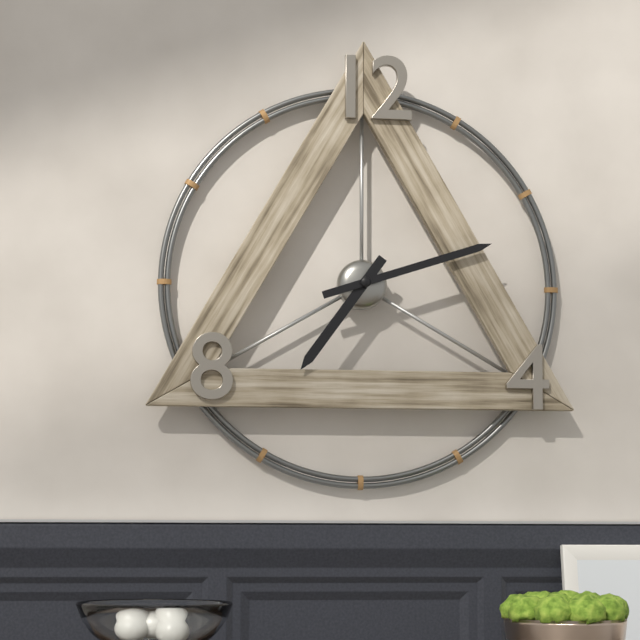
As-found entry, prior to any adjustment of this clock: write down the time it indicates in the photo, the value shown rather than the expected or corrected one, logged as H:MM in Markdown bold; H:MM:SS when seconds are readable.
**7:12**
